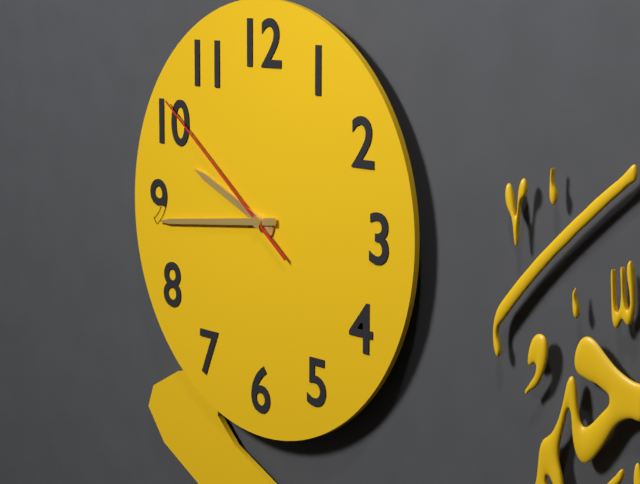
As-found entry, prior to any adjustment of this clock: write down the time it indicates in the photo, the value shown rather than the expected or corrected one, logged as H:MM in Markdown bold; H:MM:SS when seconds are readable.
**9:44:51**
